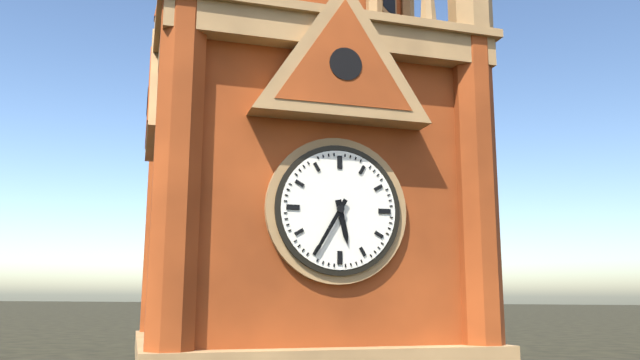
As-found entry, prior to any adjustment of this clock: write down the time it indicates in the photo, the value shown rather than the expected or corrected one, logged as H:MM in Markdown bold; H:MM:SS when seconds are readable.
**5:35**
